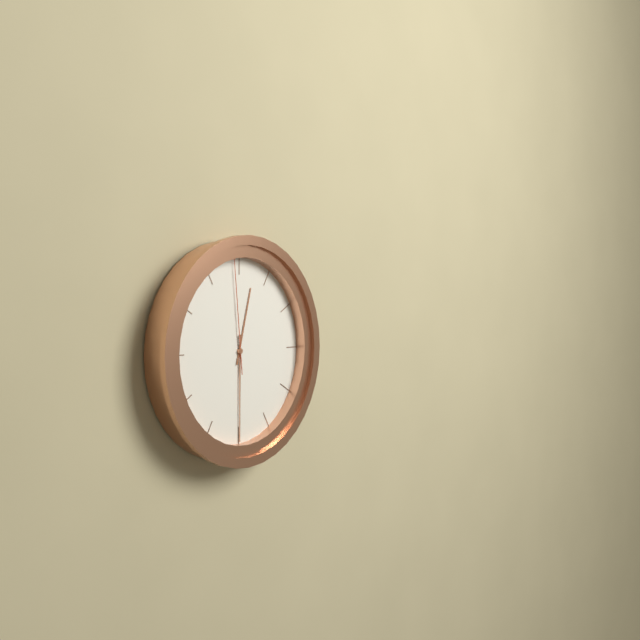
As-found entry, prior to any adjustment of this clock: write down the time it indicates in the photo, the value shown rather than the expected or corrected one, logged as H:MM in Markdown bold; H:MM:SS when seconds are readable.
**12:30:59**
